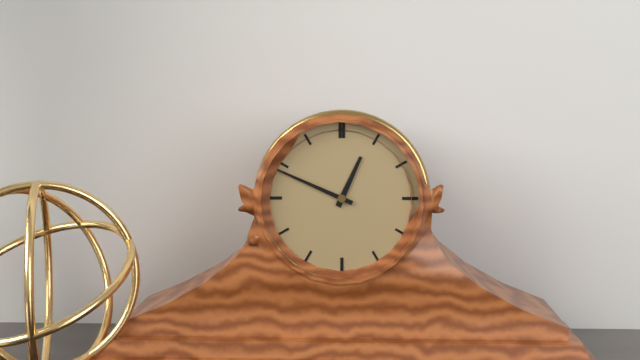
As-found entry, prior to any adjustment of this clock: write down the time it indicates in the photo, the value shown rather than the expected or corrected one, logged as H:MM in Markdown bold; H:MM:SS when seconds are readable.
**12:49**
